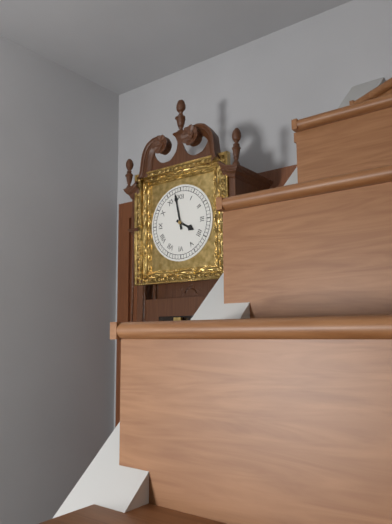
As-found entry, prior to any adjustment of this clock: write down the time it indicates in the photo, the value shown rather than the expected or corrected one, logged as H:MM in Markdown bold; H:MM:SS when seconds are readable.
**3:58**
